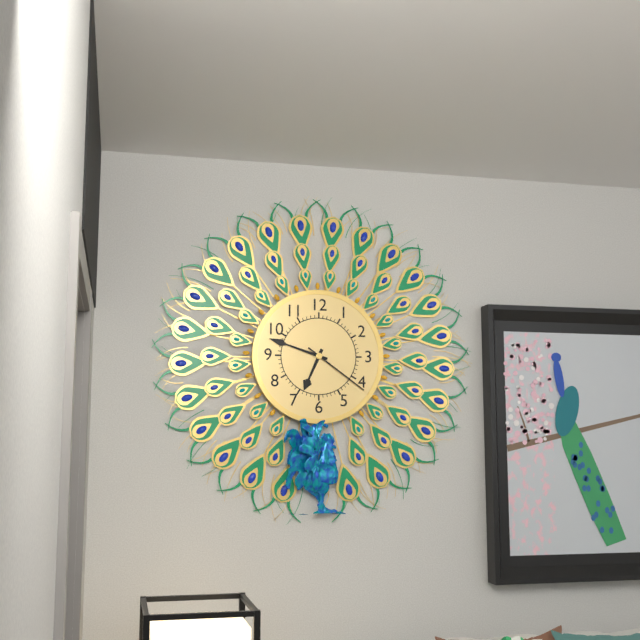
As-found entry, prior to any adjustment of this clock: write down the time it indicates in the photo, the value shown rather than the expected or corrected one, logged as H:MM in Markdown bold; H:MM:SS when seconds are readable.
**6:48:21**
